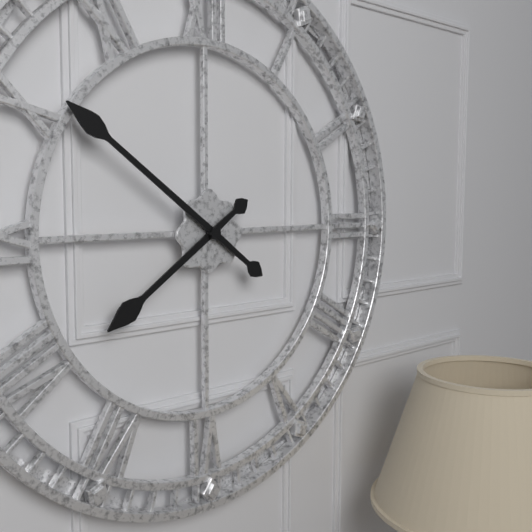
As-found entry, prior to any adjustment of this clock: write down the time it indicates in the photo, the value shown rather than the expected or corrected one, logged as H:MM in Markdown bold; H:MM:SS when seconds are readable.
**7:51**
